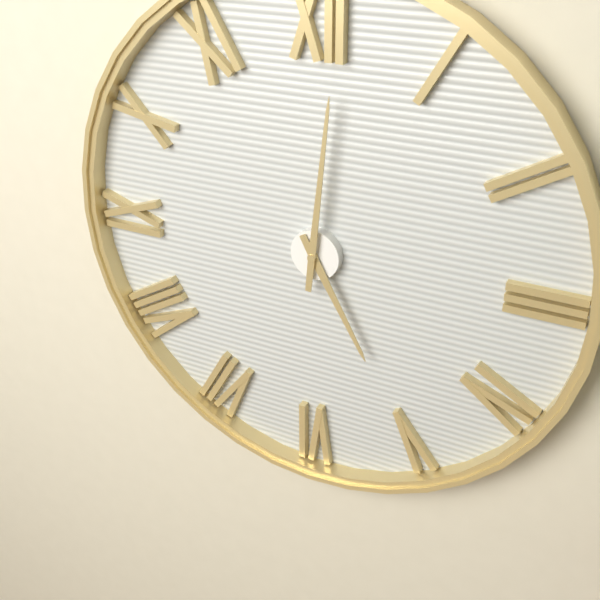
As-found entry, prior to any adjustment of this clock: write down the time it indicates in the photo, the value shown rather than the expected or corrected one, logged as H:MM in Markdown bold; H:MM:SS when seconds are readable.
**5:01**
